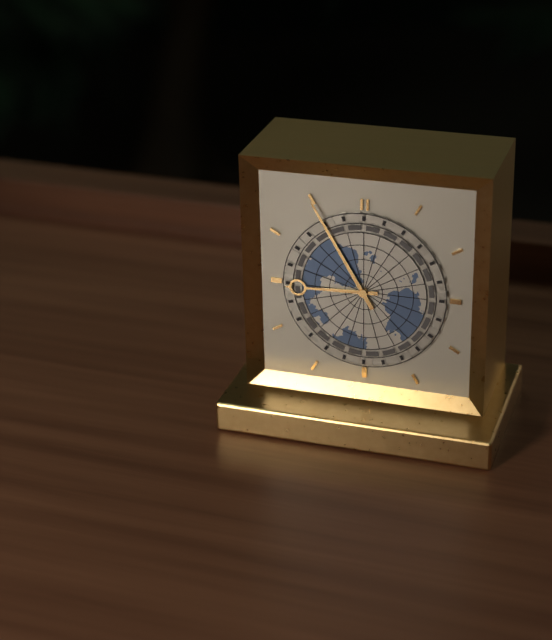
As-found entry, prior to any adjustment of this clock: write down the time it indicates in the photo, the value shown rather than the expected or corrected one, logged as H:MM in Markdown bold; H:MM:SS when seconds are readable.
**8:55**
